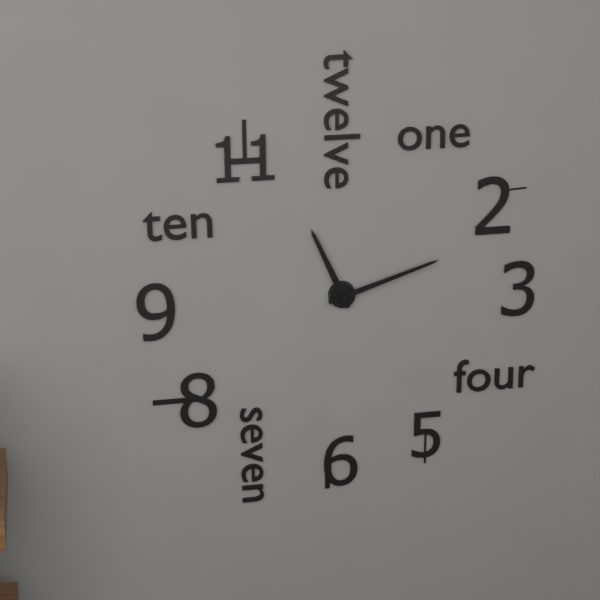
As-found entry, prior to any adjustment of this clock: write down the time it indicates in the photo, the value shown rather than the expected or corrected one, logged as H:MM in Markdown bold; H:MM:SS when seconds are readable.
**11:12**
